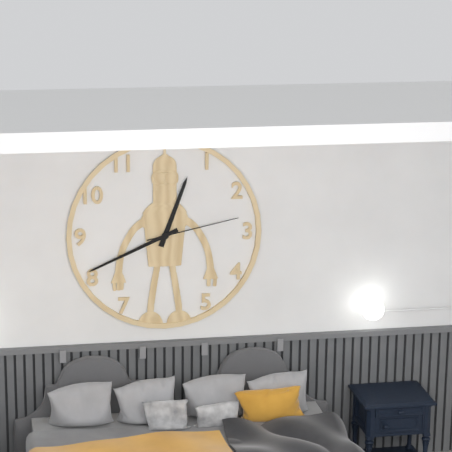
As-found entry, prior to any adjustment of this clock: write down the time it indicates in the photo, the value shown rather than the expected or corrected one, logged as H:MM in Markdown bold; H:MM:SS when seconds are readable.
**12:41:13**
